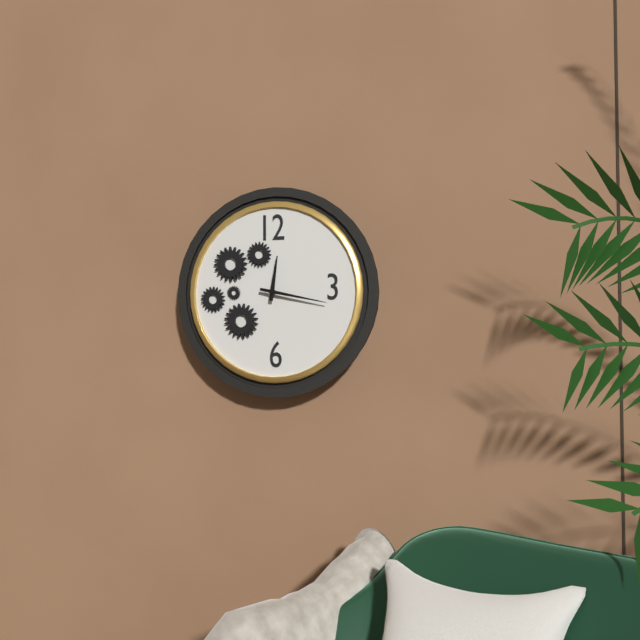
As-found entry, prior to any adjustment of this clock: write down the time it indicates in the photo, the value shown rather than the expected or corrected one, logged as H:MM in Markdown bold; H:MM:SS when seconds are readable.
**12:17**
